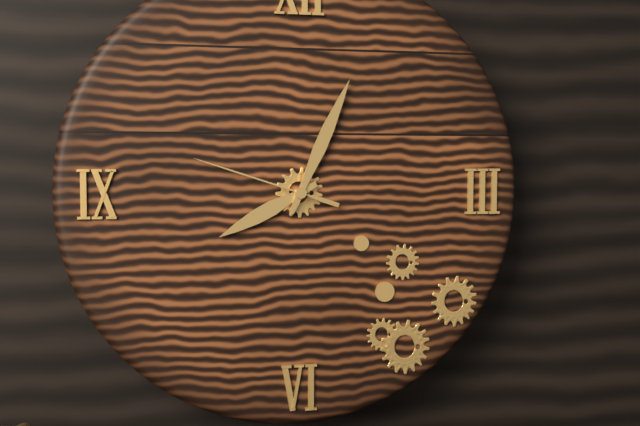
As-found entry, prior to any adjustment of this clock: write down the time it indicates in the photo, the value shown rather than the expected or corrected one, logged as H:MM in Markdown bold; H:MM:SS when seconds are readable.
**8:04:48**
